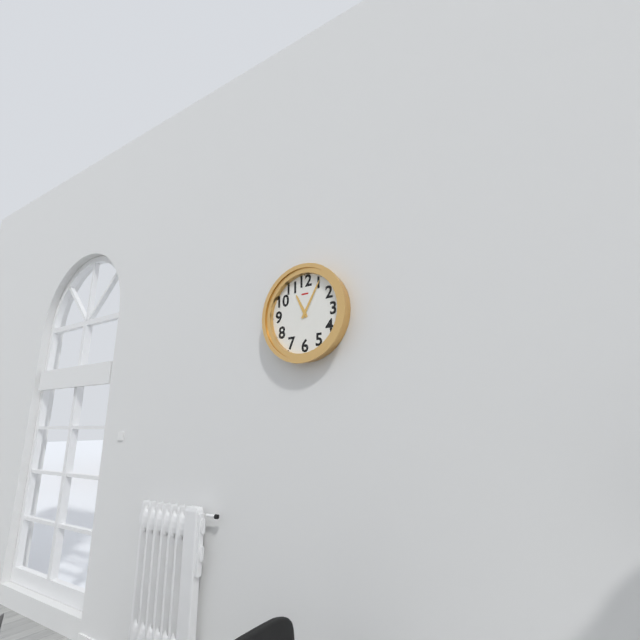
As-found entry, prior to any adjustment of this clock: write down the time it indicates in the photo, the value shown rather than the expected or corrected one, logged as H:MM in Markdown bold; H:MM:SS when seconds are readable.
**11:05**
